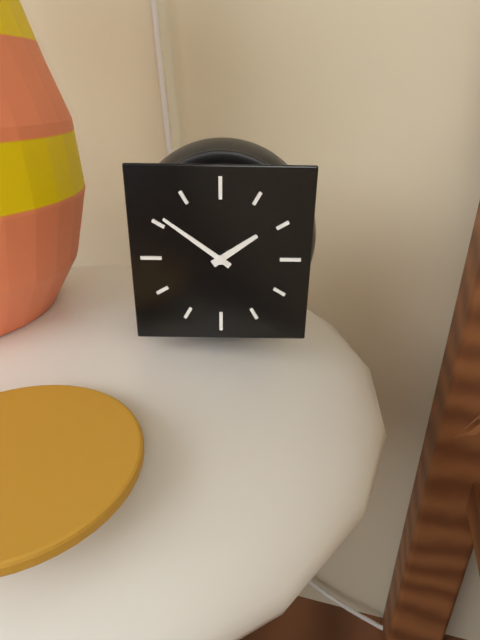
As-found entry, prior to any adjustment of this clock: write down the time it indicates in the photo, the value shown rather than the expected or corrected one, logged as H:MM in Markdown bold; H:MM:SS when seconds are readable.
**1:51**
